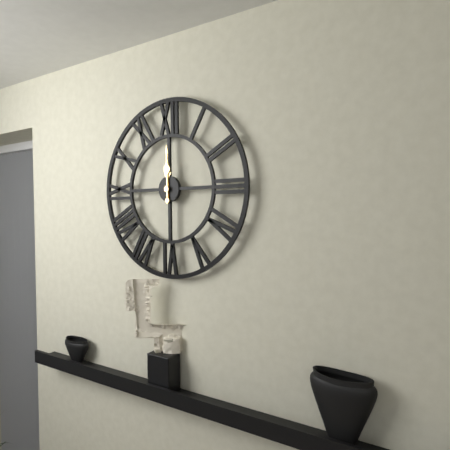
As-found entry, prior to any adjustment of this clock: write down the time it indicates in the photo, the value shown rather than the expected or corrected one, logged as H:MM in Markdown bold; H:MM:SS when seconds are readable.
**12:00**
